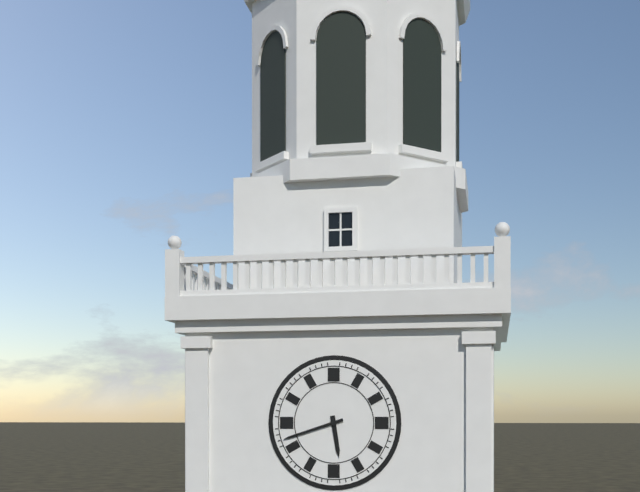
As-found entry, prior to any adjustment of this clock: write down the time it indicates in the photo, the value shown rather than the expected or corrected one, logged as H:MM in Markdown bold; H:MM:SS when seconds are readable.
**5:42**
